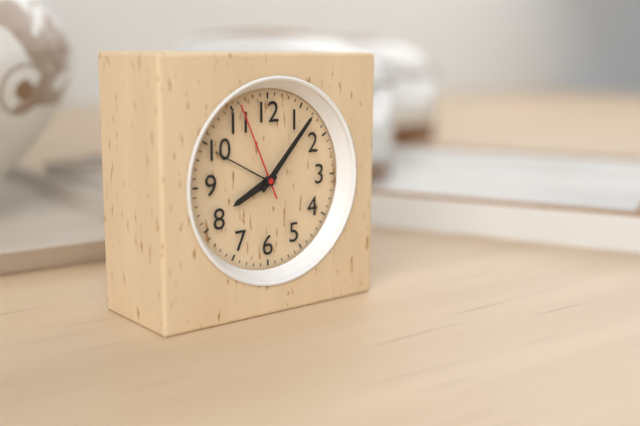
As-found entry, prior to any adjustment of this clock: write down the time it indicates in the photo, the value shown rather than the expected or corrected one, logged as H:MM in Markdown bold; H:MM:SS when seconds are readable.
**8:07:56**
